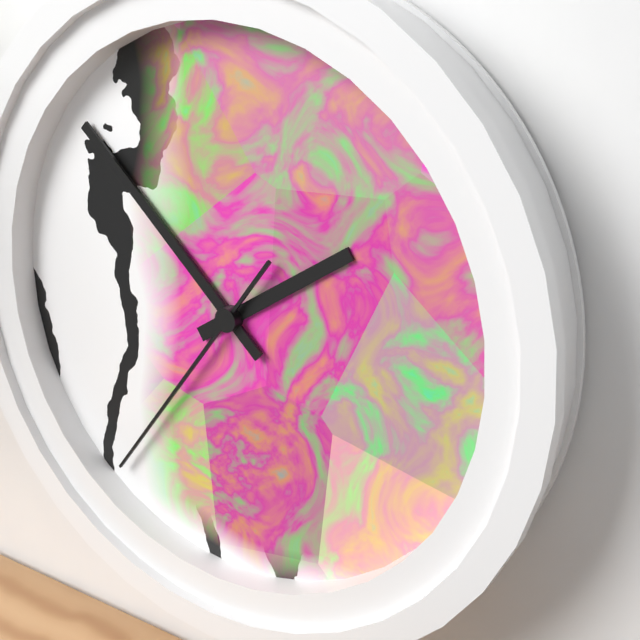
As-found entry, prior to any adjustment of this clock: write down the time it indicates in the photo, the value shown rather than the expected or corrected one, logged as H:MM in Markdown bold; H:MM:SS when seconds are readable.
**1:52:36**
